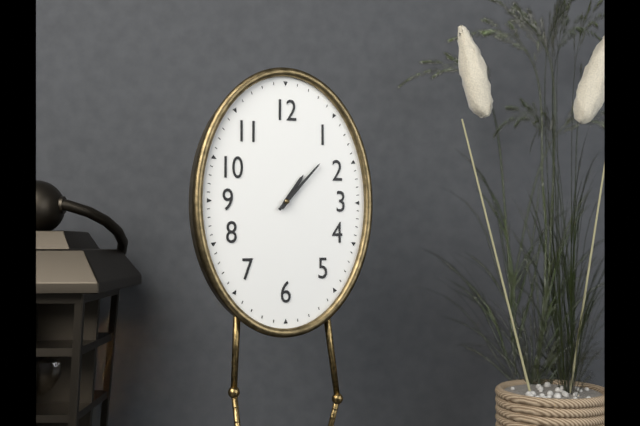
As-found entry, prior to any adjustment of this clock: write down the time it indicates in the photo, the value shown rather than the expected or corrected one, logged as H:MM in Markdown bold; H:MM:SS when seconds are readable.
**1:07**
